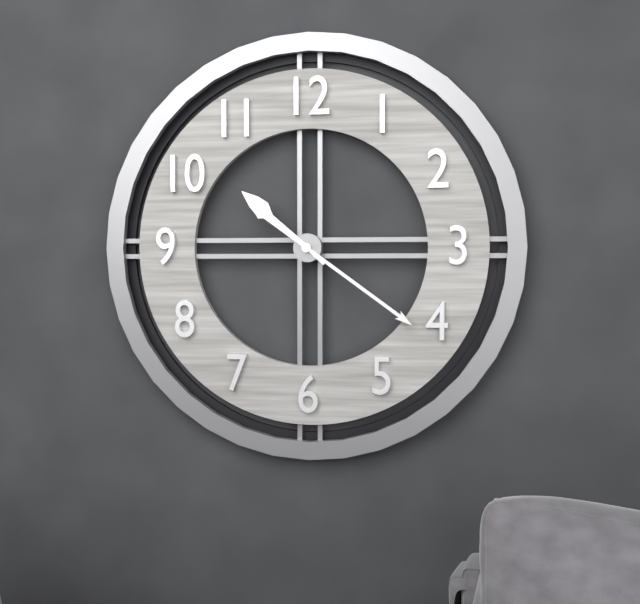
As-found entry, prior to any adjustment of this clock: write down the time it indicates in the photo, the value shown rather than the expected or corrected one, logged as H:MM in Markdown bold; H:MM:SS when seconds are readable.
**10:21**
